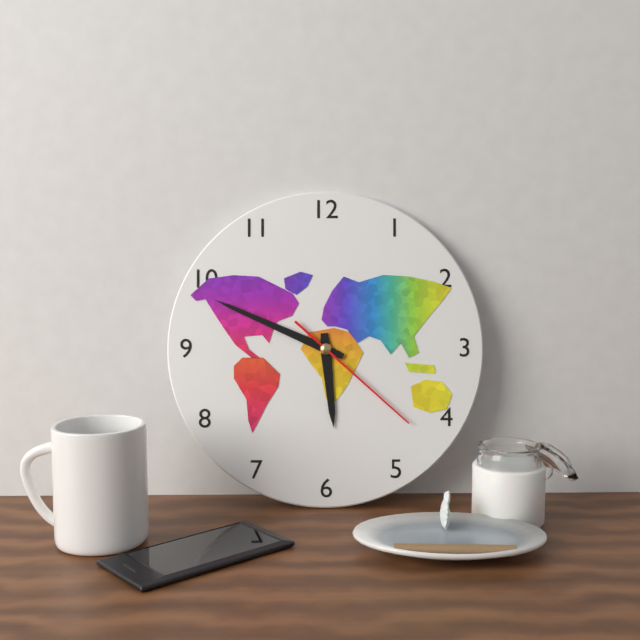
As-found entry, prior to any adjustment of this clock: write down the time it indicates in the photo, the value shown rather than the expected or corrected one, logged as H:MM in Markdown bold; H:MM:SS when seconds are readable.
**5:49:22**
